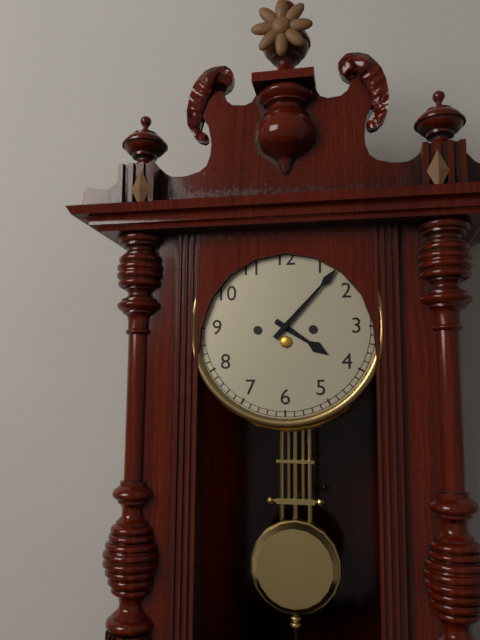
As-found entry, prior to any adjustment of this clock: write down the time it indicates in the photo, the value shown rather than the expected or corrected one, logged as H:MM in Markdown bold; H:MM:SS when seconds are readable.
**4:07**
